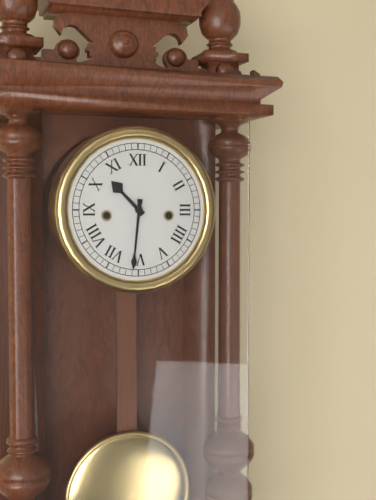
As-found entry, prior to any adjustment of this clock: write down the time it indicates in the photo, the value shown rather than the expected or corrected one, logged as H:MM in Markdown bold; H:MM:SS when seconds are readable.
**10:31**
